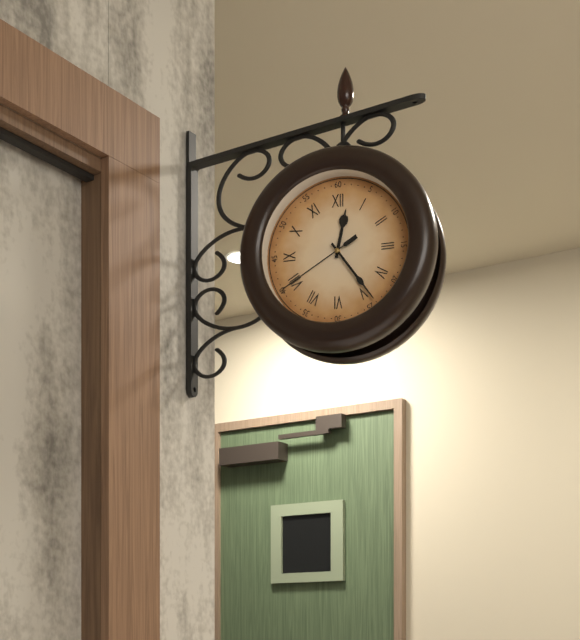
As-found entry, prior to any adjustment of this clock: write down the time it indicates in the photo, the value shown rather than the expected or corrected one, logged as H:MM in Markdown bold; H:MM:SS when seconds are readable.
**12:24:40**
